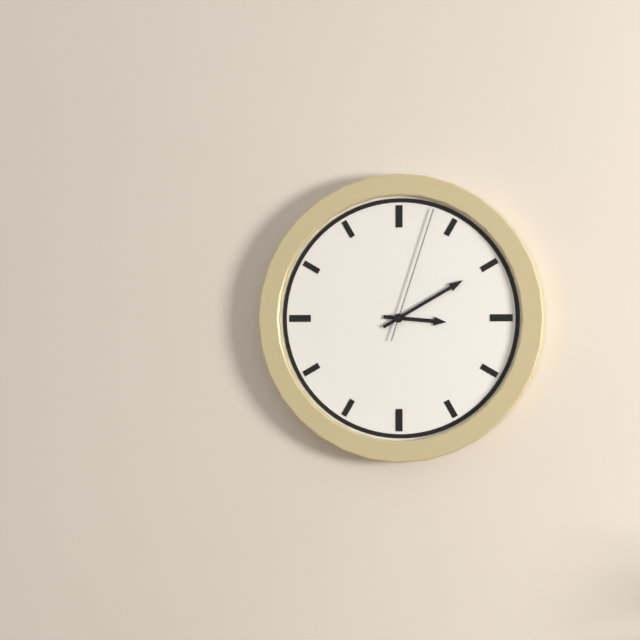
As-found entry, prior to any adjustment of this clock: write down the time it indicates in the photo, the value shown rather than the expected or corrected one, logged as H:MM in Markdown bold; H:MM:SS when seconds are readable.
**3:10:03**
